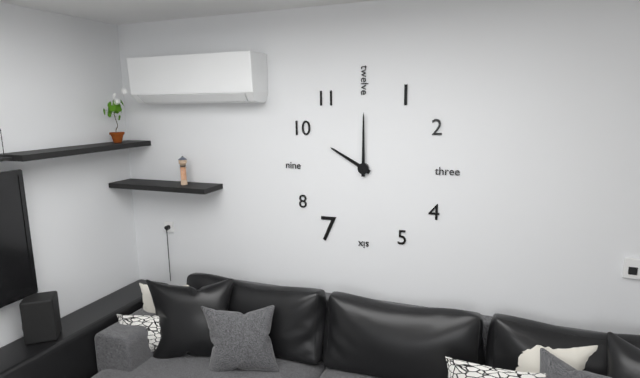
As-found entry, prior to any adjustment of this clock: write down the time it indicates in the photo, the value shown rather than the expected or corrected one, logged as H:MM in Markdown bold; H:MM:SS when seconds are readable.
**10:00**
